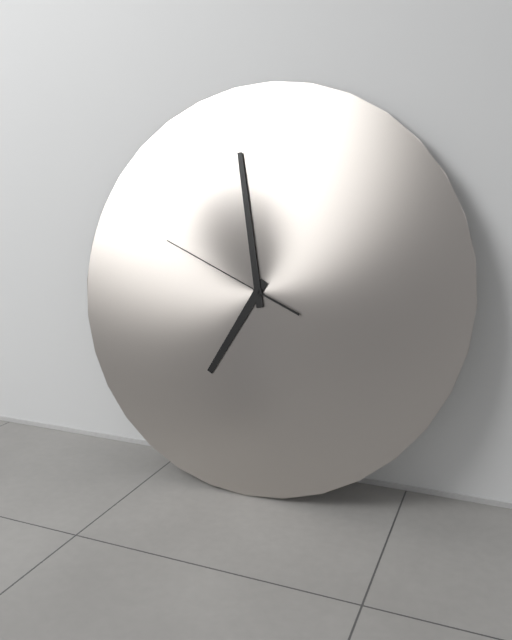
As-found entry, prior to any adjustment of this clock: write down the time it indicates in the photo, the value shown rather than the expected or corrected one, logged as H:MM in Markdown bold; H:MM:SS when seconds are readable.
**6:58:49**
